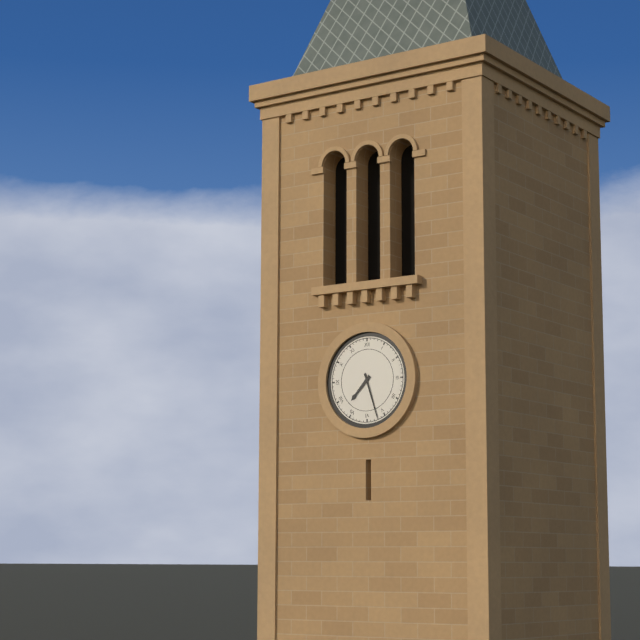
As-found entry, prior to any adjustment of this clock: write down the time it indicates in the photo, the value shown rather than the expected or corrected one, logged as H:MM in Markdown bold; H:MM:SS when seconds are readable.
**7:27**
